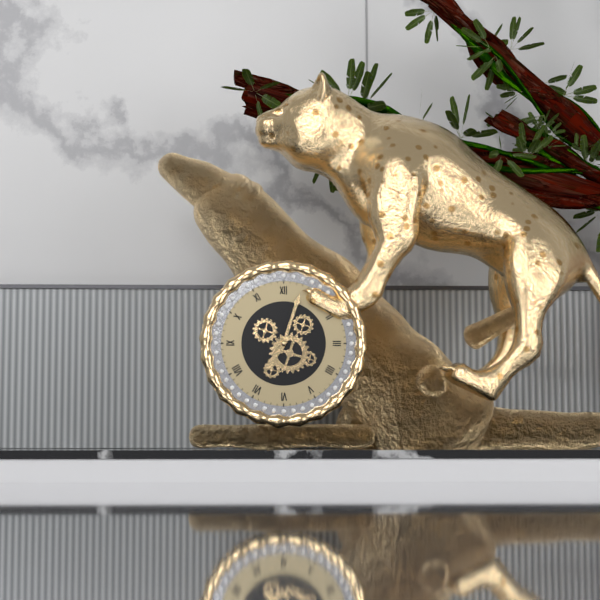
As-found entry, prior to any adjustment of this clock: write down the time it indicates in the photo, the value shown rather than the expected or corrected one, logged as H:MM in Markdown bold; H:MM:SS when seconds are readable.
**7:03**
